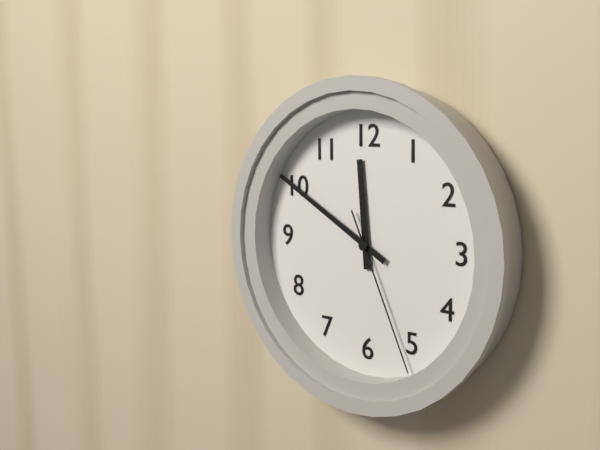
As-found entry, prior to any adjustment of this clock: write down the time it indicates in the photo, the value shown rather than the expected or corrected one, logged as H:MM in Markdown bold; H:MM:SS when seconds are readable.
**11:50:26**
